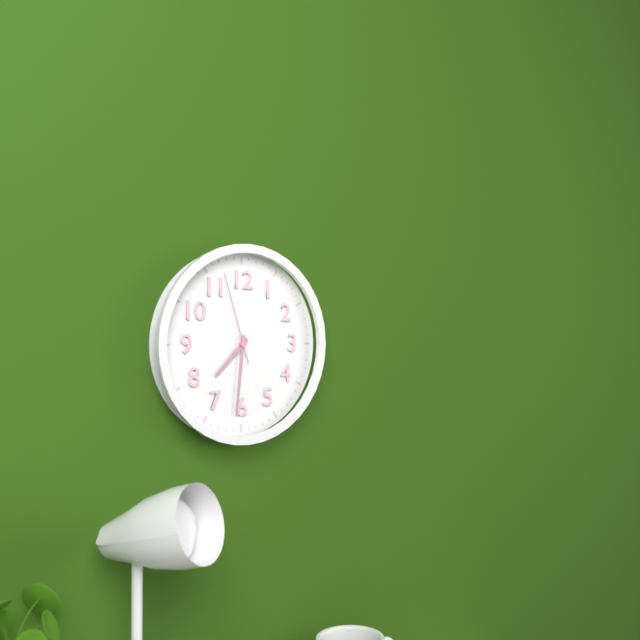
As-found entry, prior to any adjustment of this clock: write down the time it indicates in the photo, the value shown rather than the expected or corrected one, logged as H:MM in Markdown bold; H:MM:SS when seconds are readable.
**7:31:57**
